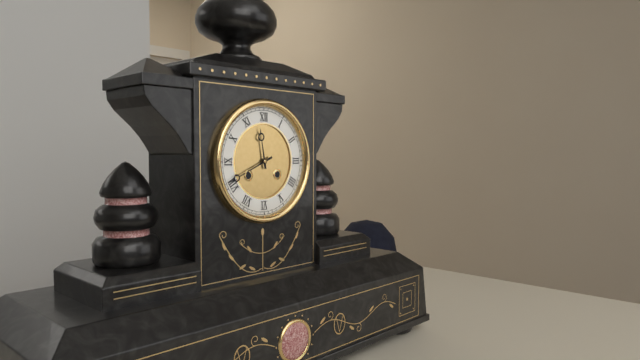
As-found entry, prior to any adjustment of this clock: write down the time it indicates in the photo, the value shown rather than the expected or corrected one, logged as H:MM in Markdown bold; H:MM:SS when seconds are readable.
**11:41**
